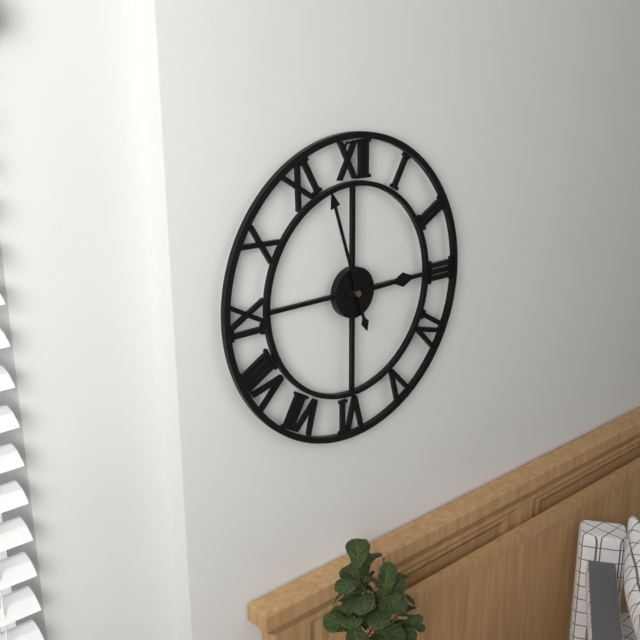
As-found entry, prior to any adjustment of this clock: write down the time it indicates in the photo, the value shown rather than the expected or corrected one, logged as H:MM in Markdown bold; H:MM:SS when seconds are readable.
**2:57**
